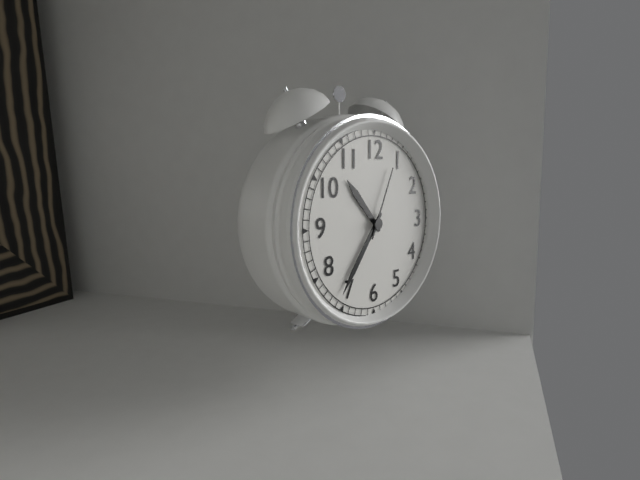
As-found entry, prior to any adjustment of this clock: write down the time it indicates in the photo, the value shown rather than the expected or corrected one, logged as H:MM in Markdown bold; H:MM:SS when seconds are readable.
**10:36:04**
